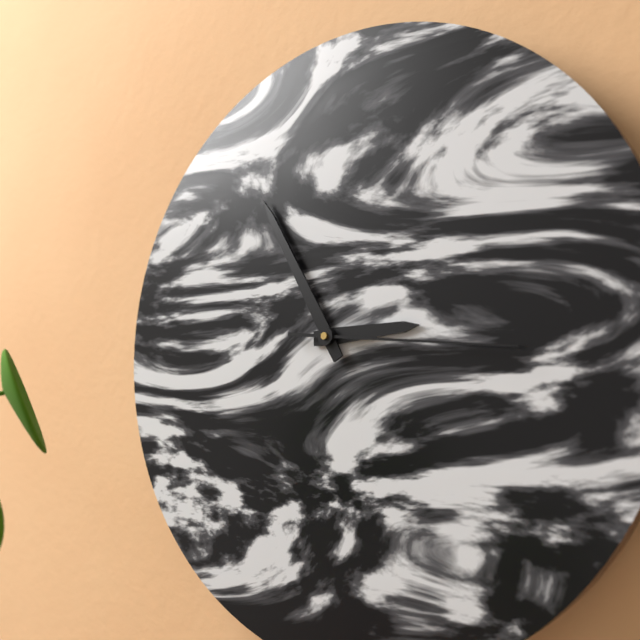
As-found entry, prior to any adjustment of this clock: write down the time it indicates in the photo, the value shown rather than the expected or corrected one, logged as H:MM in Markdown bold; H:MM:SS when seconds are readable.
**2:55:16**
